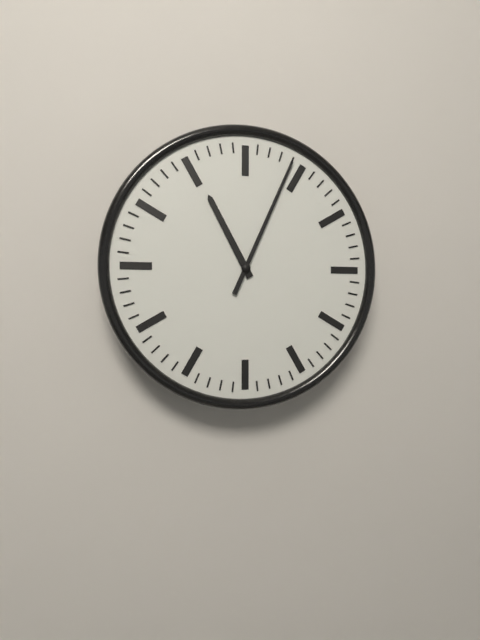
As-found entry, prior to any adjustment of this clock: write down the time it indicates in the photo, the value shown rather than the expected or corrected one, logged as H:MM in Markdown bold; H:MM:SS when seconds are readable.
**11:04**
